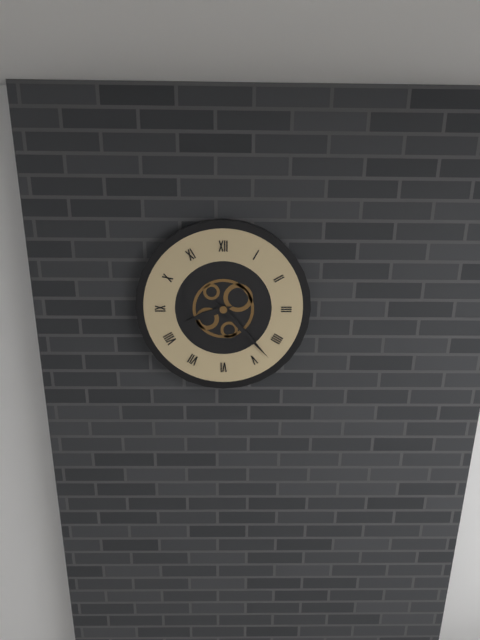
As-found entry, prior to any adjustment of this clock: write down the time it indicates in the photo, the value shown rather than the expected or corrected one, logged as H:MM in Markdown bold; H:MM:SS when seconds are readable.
**8:23**
